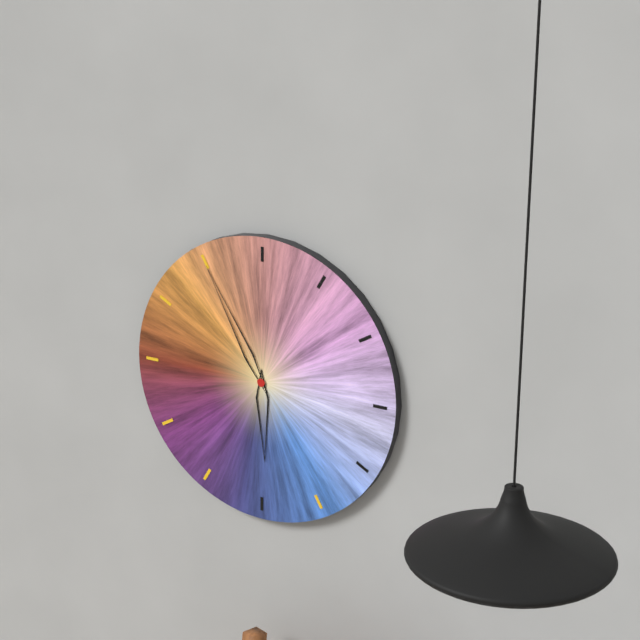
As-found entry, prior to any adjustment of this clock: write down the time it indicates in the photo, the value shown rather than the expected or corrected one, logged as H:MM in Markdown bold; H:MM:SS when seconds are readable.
**5:55**
